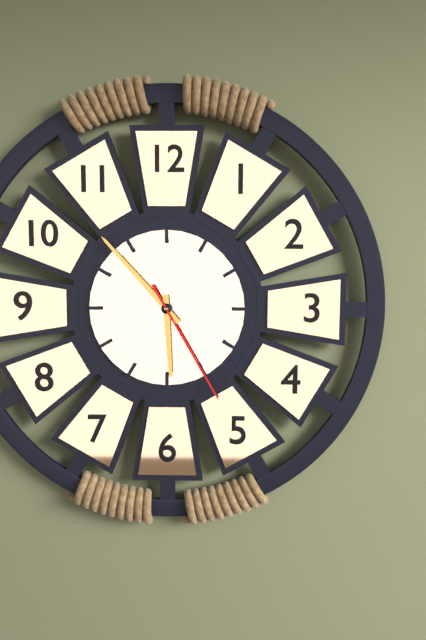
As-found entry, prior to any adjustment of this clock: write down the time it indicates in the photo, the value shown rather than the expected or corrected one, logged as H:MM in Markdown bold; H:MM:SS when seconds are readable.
**5:53:25**
